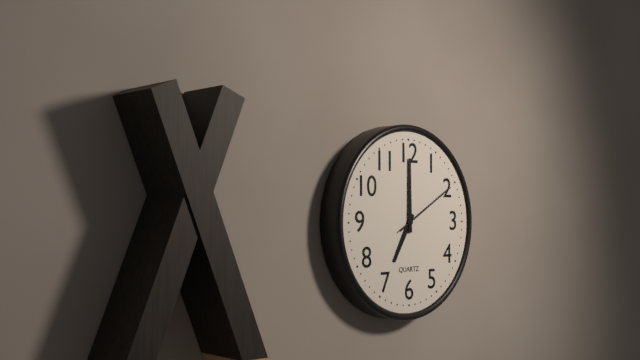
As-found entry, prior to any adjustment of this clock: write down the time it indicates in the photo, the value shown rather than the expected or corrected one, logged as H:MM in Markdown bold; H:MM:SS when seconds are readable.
**7:00:10**
